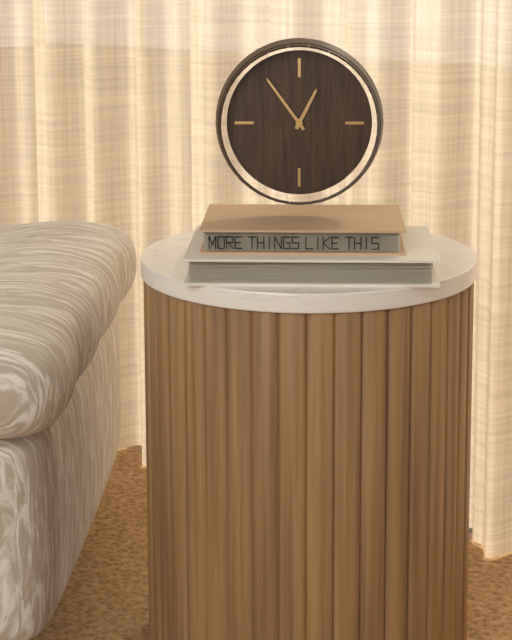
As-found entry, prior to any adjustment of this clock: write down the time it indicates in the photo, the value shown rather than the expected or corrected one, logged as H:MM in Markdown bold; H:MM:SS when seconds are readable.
**12:54**
